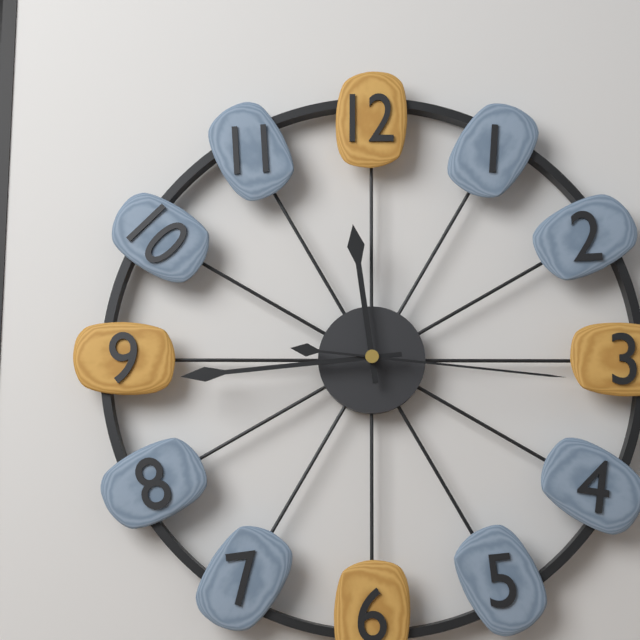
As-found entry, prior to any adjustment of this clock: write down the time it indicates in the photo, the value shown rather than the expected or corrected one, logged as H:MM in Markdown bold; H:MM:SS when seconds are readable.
**11:44:16**
